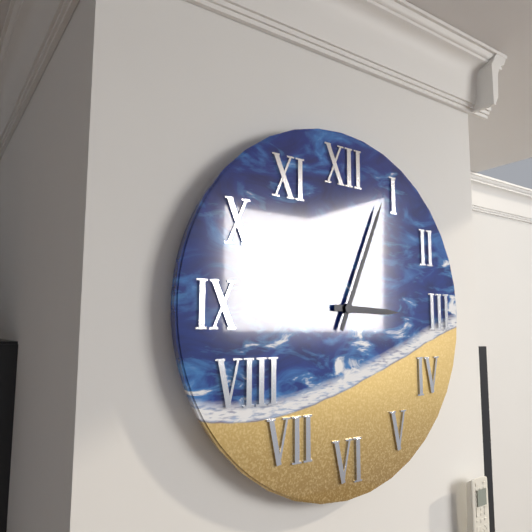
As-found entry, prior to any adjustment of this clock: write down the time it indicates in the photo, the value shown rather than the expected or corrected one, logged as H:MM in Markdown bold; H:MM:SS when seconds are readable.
**3:04**
